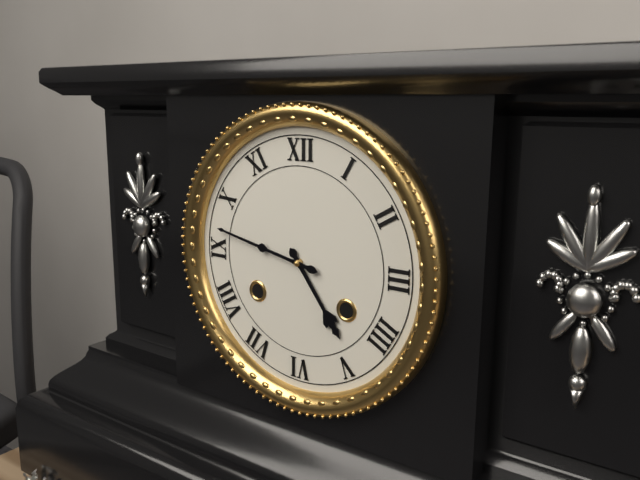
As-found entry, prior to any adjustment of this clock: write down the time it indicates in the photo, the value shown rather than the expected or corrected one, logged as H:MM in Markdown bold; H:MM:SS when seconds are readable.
**4:47**
